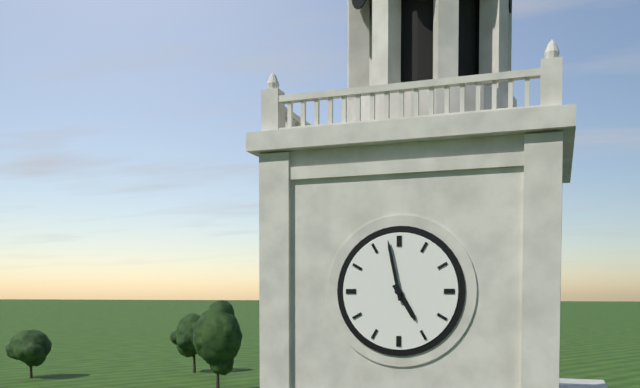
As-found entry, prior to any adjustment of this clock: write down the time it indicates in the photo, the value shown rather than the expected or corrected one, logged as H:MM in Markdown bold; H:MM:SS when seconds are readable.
**4:58**
